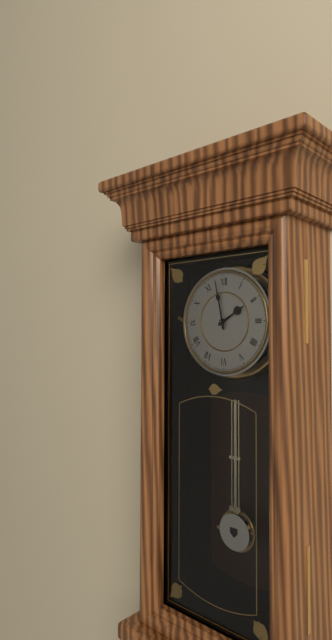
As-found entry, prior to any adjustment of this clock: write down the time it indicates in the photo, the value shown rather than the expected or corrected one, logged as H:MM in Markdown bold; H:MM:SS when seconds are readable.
**1:58**
